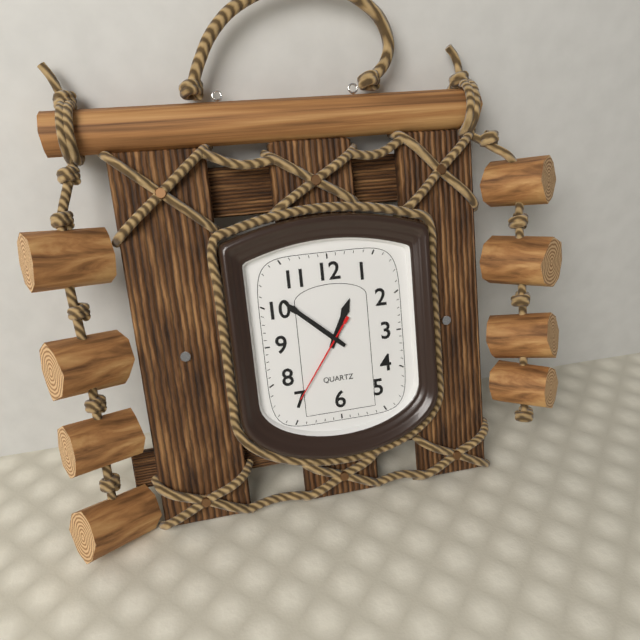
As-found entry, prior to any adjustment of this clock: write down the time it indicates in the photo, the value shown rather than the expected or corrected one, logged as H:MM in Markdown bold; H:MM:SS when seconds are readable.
**12:52:36**
